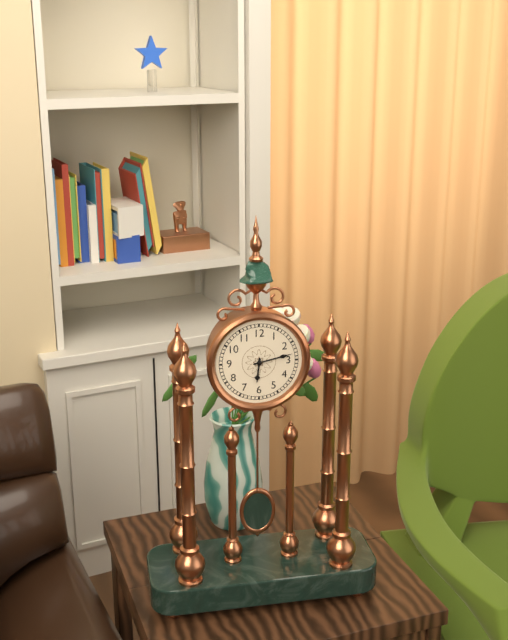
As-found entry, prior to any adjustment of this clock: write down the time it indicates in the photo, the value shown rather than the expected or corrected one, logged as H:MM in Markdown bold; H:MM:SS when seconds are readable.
**6:13**
